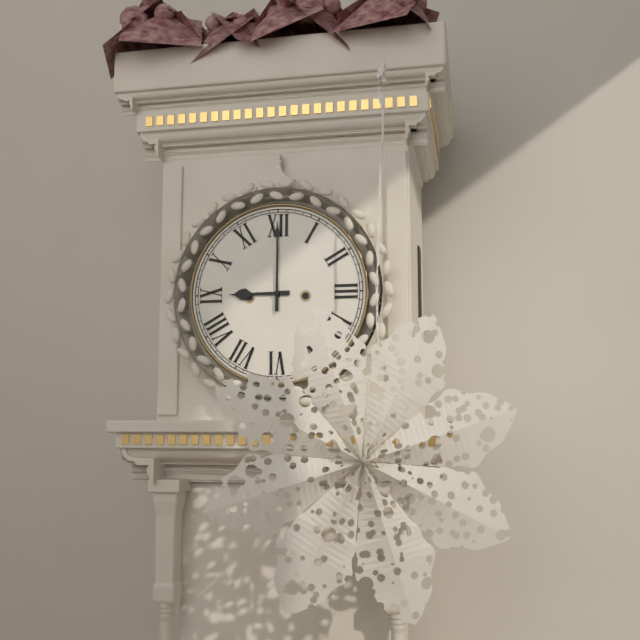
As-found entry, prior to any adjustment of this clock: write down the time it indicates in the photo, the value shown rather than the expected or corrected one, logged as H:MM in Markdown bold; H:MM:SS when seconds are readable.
**9:00**
